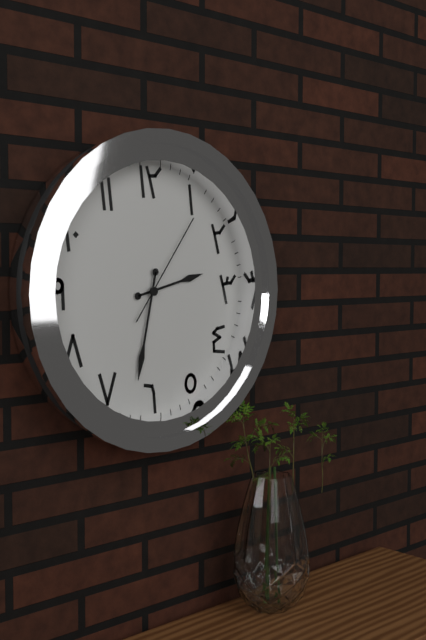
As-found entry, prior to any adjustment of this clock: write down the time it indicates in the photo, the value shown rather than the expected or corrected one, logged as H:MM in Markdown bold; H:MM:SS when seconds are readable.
**2:32:06**
